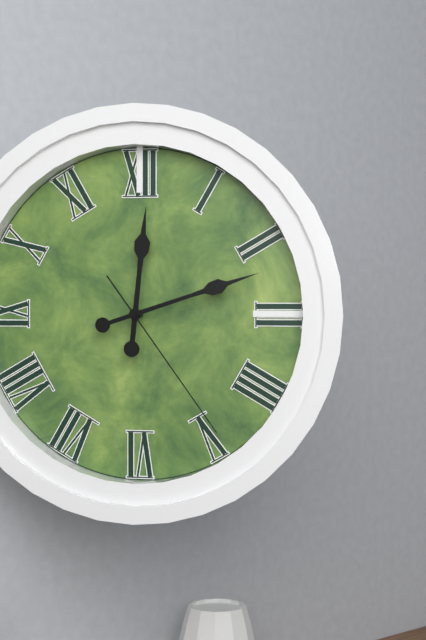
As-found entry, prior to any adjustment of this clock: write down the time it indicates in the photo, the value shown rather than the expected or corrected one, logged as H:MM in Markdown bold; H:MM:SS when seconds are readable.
**12:12:24**
